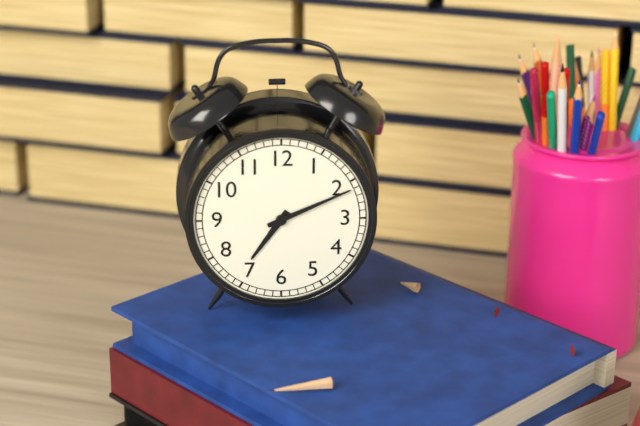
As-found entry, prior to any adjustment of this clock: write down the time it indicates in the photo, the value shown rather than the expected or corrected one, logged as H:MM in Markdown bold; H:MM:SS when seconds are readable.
**7:11**
